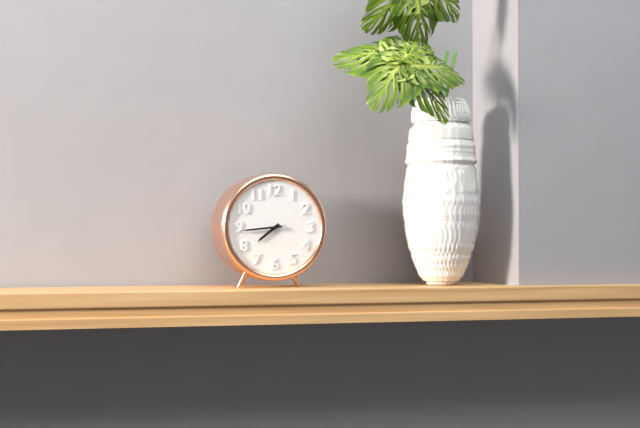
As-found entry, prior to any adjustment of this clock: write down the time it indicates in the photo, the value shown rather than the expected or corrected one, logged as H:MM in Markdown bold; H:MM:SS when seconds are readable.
**7:44**
